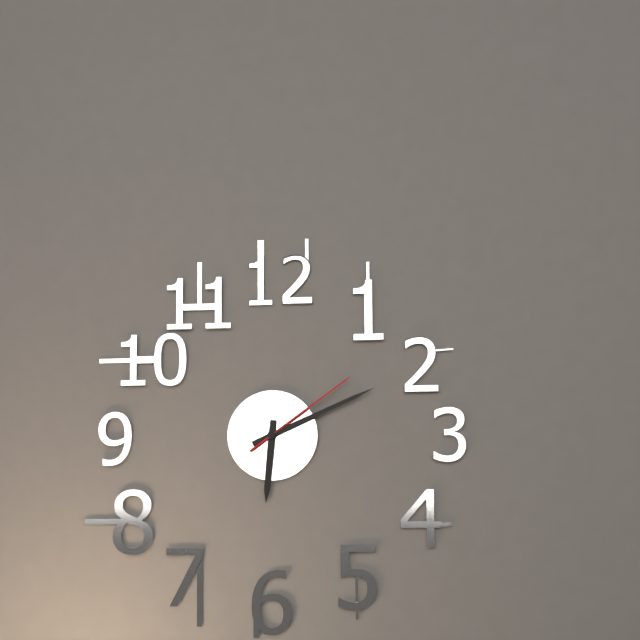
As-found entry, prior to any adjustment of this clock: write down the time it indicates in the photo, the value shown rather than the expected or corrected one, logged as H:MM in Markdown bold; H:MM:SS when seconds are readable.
**6:11:09**
